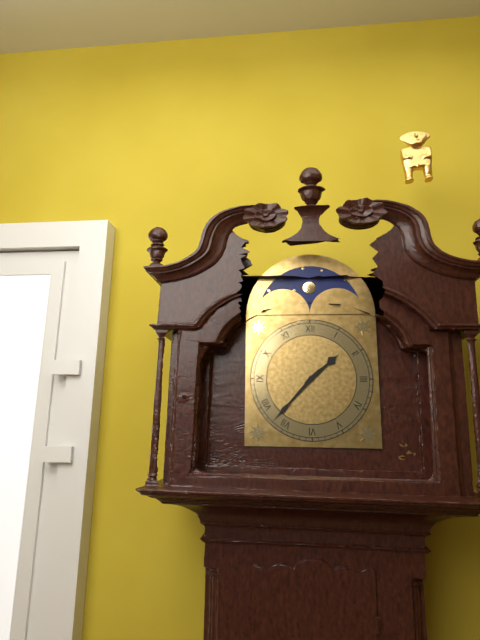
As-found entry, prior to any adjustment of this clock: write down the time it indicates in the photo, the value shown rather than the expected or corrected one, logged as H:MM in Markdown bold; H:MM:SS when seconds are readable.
**1:37**
